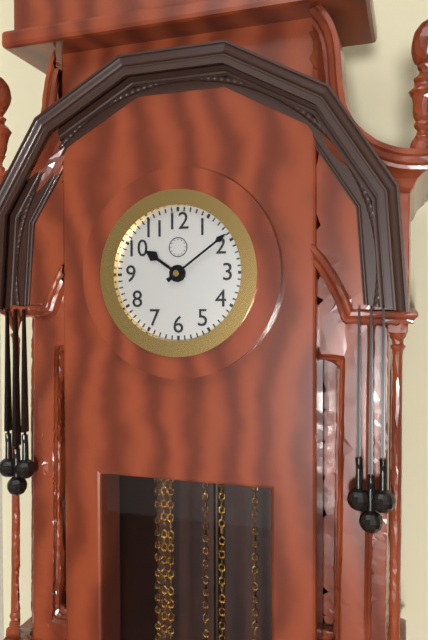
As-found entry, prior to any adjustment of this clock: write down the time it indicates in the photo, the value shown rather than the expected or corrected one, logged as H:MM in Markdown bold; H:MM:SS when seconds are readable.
**10:09**
